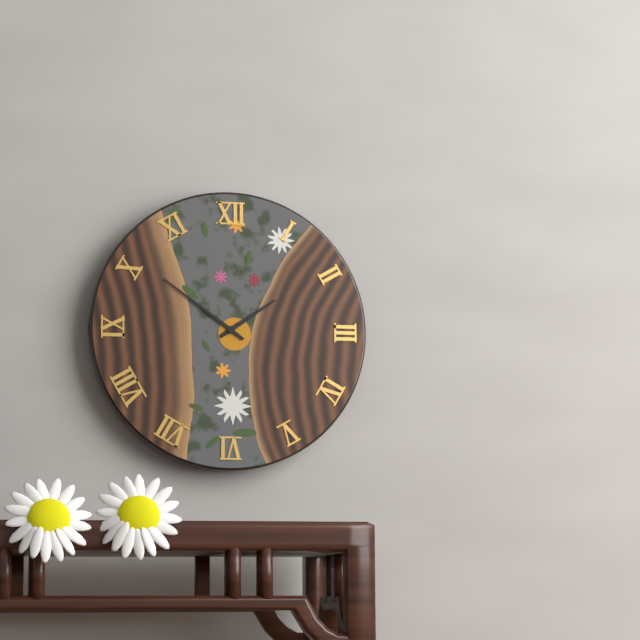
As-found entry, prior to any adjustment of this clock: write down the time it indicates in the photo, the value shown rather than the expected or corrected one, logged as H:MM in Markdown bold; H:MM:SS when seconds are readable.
**1:51**
